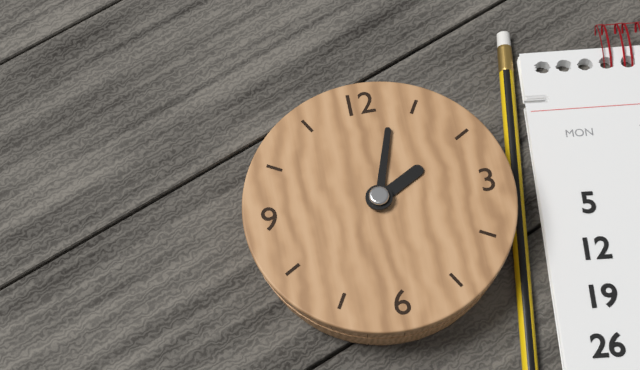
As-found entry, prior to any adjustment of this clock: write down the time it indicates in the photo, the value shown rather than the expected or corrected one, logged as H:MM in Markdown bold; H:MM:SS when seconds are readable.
**2:03**
